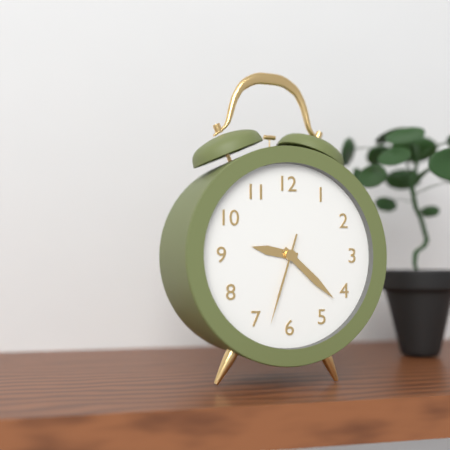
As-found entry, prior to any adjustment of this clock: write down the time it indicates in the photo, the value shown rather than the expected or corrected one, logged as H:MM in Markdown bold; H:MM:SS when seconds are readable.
**9:22:33**
